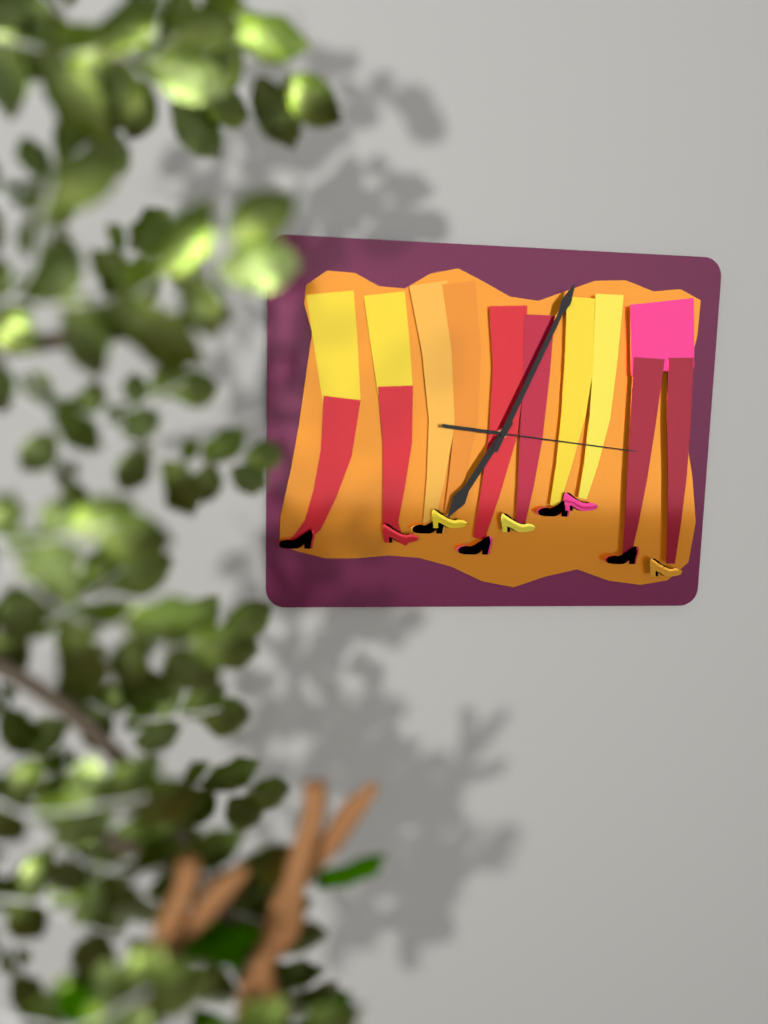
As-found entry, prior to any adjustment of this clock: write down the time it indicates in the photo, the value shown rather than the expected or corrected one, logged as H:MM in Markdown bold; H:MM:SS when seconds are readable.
**7:04:16**
